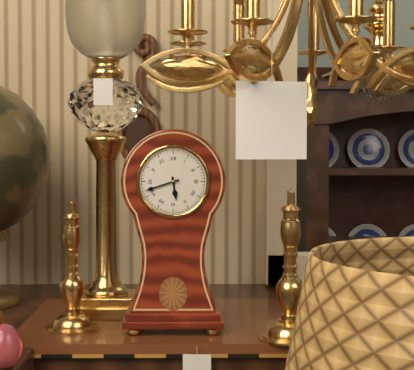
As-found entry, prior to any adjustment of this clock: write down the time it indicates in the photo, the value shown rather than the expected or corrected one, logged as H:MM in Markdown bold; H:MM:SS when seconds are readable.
**5:42**
